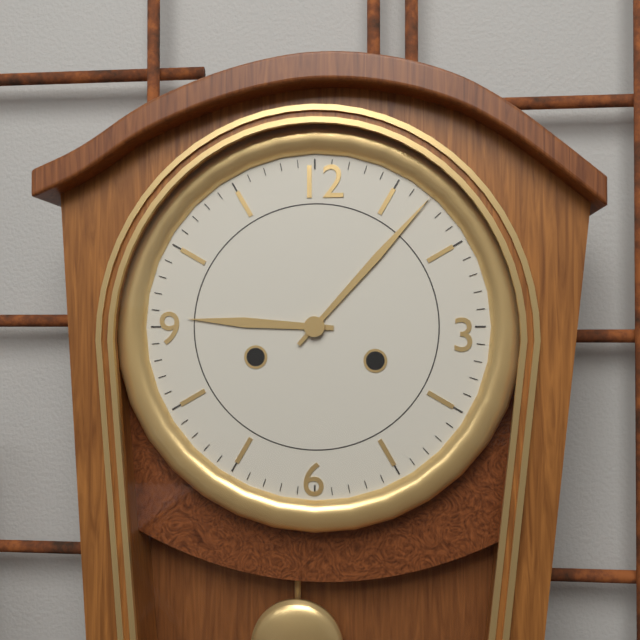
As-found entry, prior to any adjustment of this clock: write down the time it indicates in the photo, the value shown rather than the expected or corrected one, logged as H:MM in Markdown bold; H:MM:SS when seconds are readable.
**9:07**
